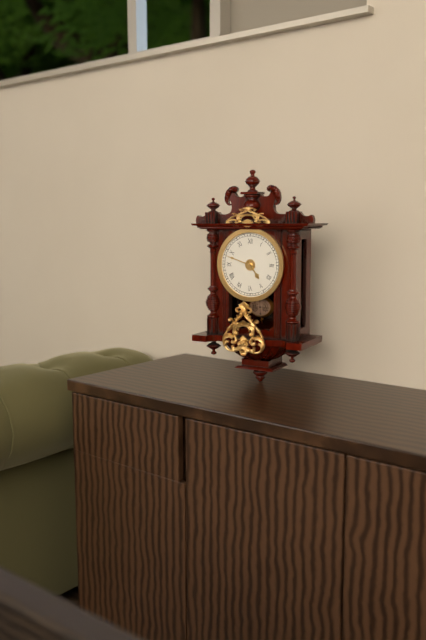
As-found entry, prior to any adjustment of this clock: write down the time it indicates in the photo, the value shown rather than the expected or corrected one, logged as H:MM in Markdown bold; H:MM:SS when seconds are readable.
**4:48**
